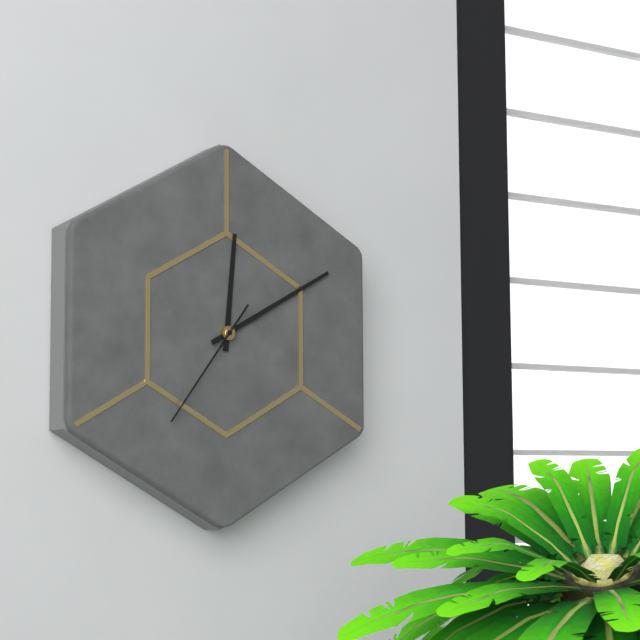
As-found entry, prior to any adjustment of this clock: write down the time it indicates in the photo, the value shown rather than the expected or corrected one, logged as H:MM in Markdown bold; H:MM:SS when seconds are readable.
**12:10:36**
